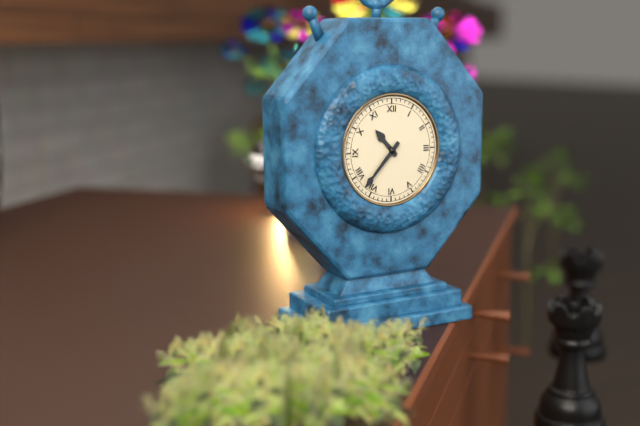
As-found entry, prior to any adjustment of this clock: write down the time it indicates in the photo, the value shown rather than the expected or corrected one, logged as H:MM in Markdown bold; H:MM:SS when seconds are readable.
**10:37**
